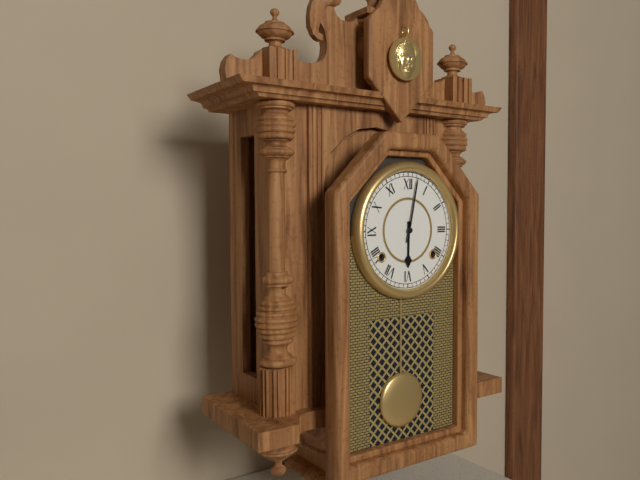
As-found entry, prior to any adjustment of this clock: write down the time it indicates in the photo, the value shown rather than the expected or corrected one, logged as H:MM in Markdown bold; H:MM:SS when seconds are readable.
**6:02**
